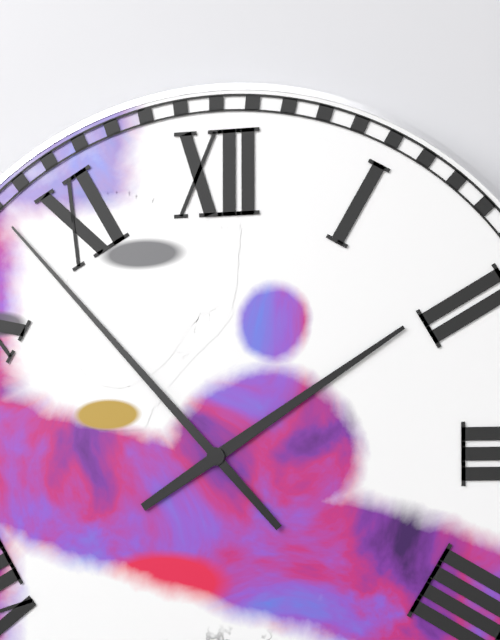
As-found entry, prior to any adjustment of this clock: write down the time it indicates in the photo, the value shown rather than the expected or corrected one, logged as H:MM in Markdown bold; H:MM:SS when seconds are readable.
**1:53**
